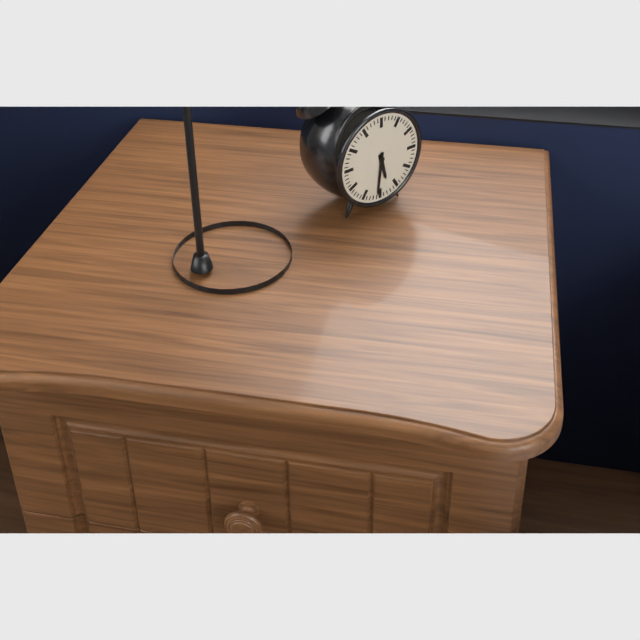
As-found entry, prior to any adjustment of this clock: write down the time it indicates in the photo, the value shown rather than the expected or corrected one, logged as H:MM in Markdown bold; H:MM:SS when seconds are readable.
**5:31**
